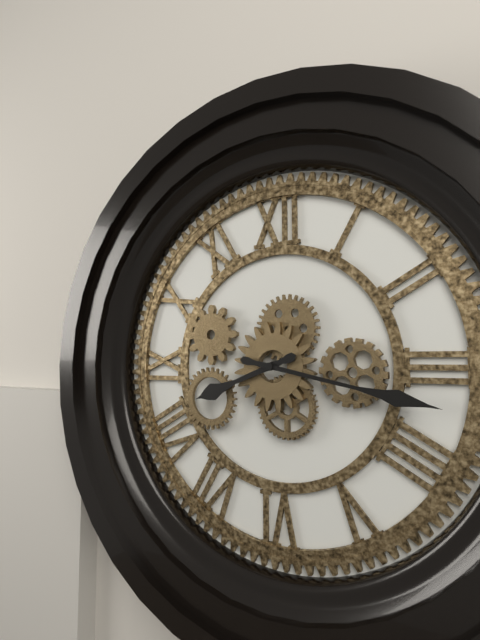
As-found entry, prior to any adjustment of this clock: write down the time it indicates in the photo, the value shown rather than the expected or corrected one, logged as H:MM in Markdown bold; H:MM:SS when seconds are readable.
**8:17**
